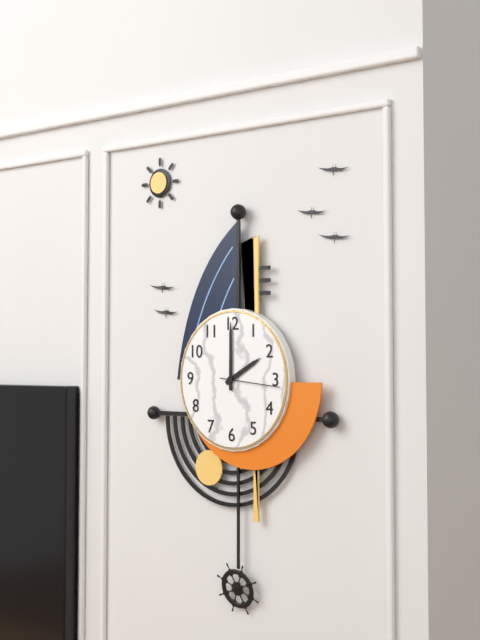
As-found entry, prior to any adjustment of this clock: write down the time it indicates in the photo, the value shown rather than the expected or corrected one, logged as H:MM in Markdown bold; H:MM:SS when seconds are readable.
**2:00:16**
